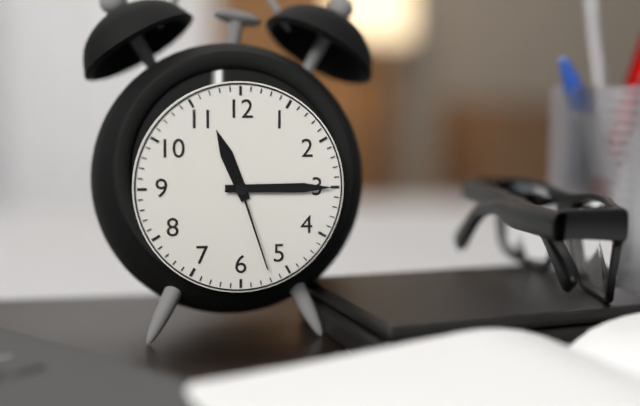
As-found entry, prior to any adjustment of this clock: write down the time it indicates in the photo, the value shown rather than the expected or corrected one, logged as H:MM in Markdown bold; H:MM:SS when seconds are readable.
**11:15:27**
